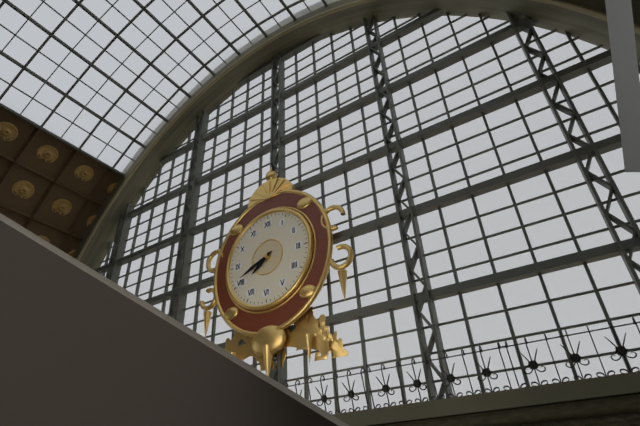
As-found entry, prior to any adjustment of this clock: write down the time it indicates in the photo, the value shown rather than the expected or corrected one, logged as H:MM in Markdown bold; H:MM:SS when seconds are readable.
**7:41**
